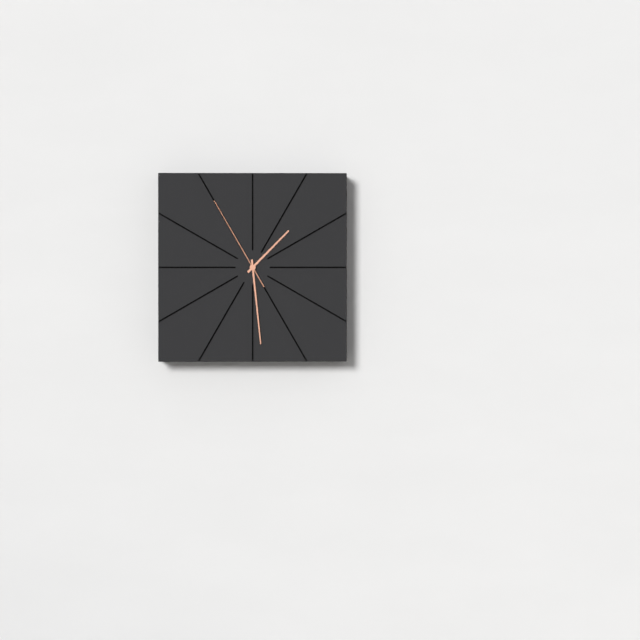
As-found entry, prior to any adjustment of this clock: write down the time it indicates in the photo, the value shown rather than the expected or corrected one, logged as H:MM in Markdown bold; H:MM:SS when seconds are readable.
**1:29:55**
